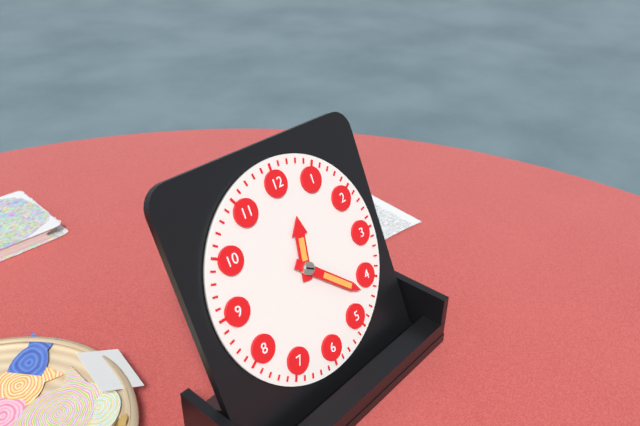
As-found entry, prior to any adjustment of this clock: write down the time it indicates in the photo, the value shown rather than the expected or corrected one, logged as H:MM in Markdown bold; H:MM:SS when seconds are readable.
**12:22**
